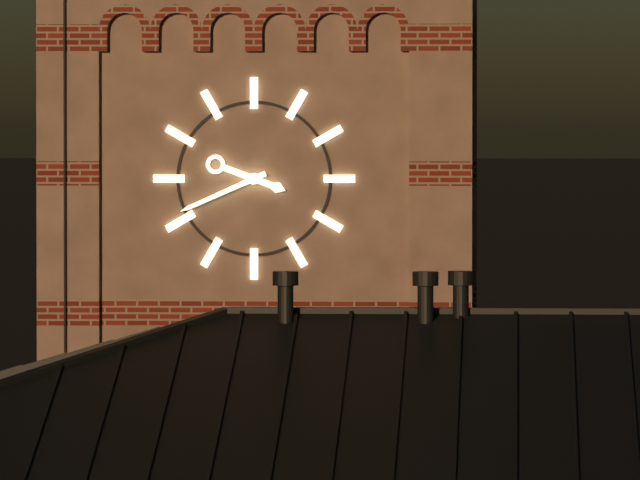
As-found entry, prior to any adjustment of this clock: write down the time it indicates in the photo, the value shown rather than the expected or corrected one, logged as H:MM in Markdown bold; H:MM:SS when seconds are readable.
**3:41**
